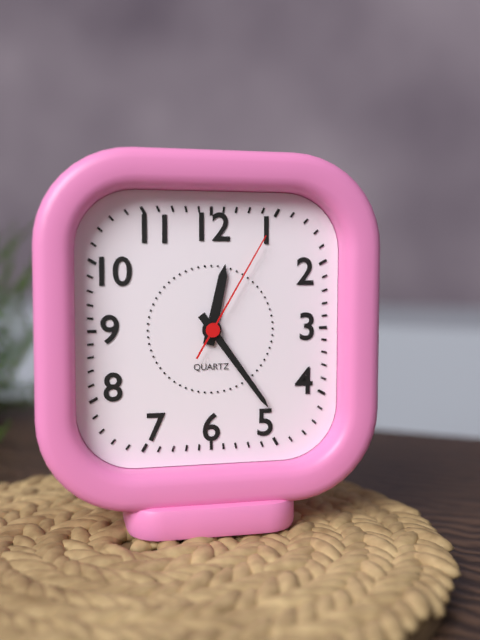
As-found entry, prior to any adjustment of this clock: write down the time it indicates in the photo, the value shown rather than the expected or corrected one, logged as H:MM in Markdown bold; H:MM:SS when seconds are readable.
**12:24:05**
